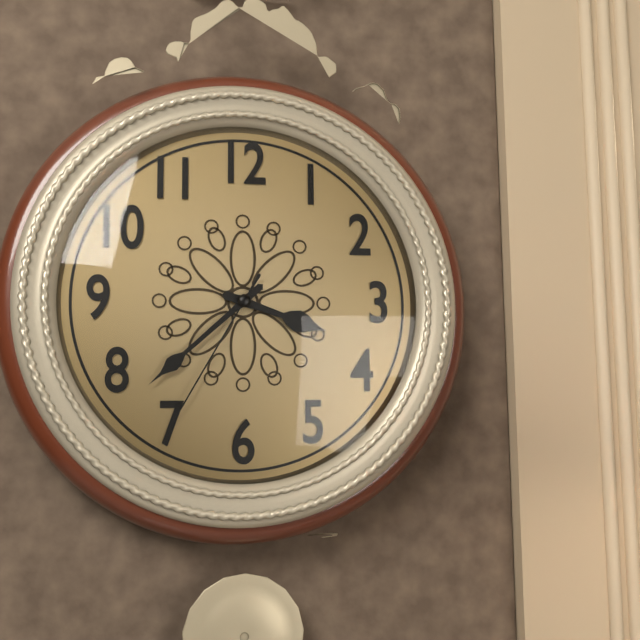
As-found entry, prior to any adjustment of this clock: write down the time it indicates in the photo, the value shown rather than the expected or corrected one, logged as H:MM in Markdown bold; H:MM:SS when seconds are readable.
**3:38:35**
